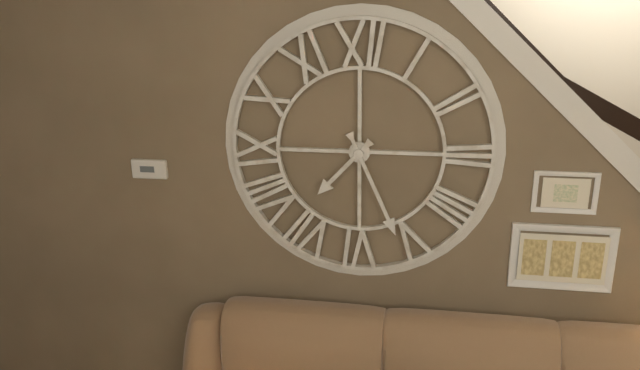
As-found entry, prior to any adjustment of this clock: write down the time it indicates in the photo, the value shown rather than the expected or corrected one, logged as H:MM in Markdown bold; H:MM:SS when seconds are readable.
**7:26**
